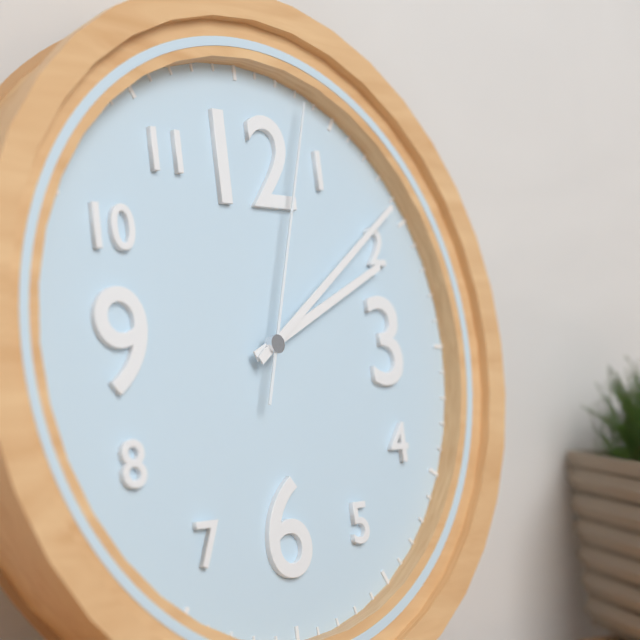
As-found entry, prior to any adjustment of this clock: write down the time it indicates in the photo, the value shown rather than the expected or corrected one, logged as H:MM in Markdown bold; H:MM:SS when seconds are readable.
**2:09:03**
